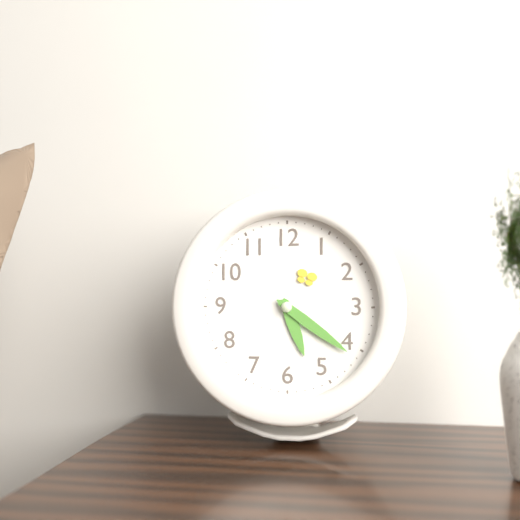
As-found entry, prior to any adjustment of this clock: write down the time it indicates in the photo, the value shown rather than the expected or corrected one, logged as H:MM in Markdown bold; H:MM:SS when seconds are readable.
**5:21**
